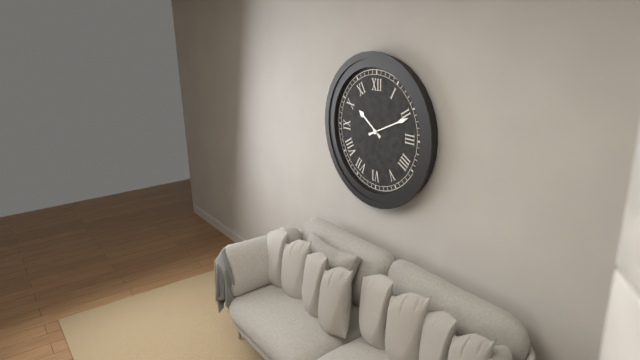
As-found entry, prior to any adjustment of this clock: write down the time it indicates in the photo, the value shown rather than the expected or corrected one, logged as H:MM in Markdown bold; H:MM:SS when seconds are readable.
**10:11**
